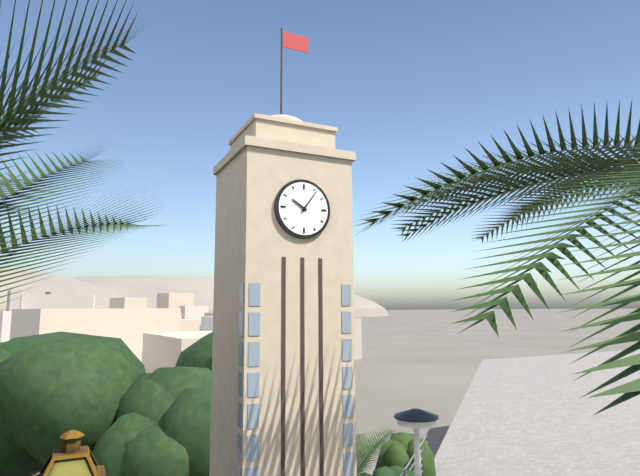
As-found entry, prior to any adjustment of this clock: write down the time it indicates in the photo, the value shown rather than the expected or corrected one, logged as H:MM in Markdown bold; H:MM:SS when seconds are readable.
**10:06**
